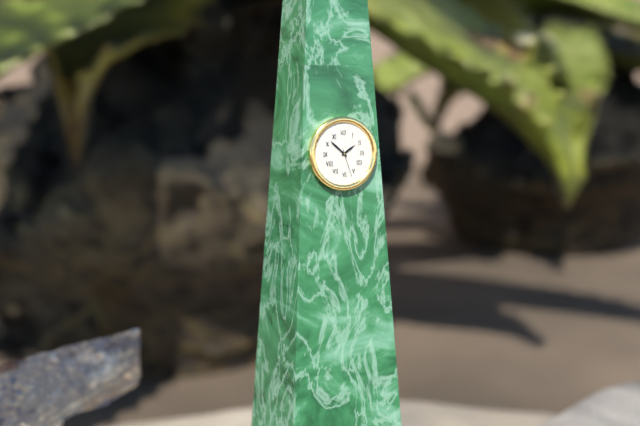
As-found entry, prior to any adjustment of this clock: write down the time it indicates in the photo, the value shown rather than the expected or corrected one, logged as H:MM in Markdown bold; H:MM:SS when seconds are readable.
**1:52**
